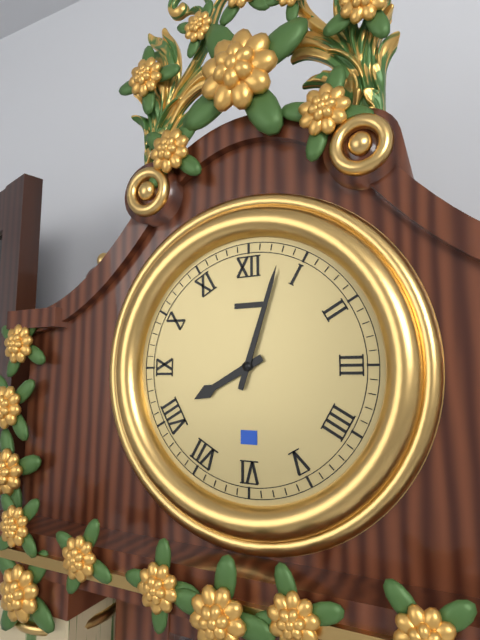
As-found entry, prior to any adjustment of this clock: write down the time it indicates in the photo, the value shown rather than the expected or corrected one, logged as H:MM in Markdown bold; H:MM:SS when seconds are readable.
**8:03**
